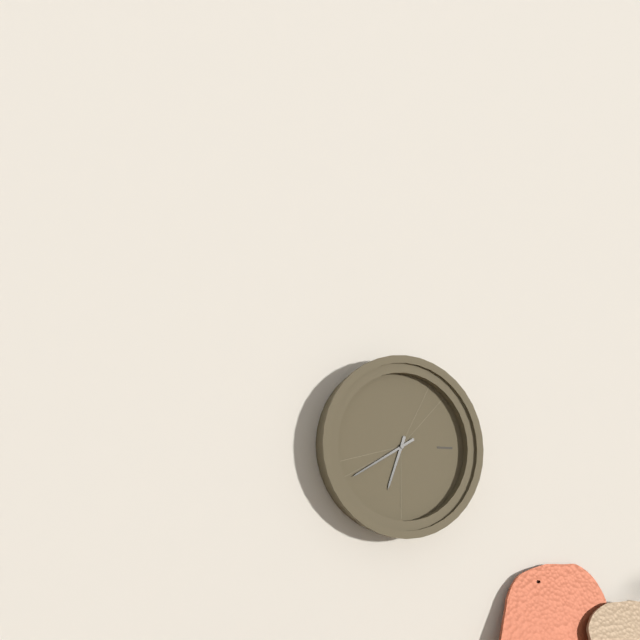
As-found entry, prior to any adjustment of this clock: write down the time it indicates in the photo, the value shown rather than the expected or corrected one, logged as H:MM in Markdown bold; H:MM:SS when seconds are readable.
**6:40**
